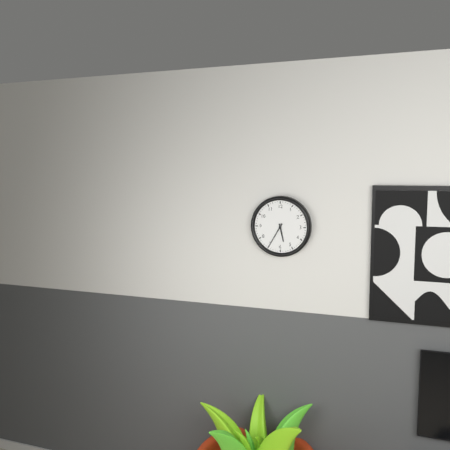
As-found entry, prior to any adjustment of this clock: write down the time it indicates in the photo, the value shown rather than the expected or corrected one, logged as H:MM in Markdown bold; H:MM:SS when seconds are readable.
**5:35**
